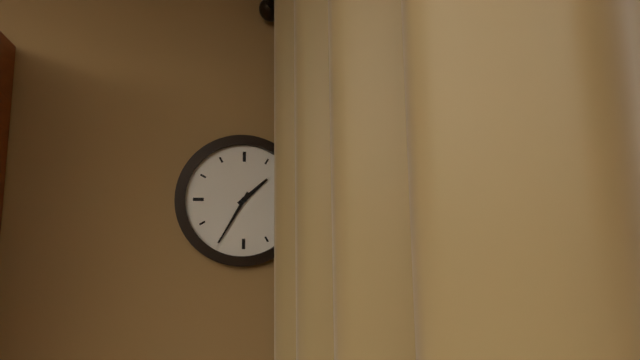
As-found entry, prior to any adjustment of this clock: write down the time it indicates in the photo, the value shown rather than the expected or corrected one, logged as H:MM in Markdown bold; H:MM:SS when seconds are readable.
**1:35**
